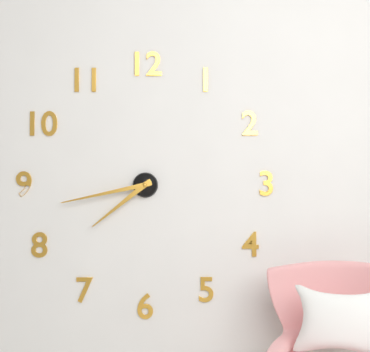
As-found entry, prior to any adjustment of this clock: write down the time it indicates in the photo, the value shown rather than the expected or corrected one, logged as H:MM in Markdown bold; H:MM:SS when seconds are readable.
**7:43**
